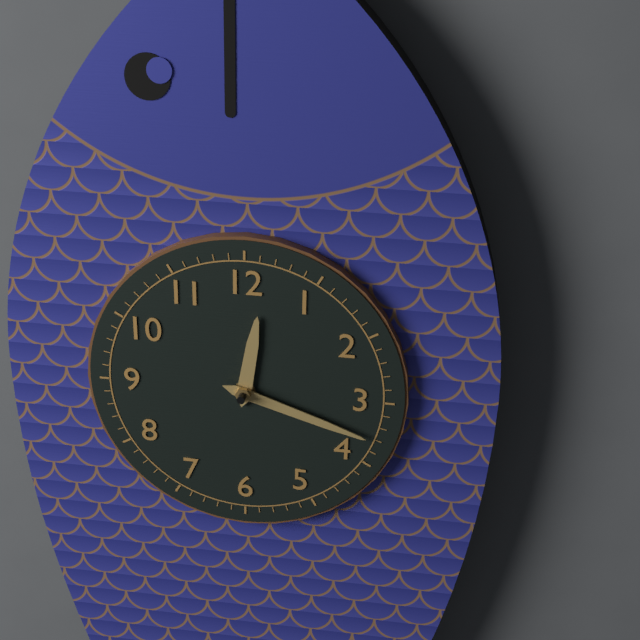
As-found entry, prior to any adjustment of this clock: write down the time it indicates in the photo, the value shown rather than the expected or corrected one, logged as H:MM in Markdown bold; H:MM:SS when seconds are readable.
**12:18**
